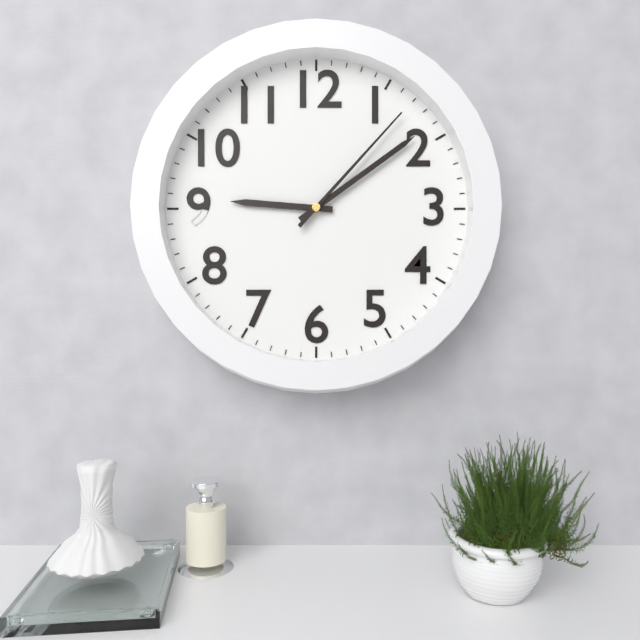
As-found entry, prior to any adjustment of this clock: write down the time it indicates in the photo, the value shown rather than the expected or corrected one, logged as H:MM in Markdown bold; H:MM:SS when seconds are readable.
**9:09:07**
